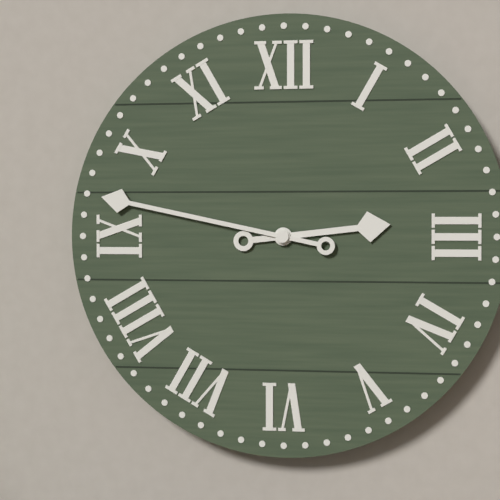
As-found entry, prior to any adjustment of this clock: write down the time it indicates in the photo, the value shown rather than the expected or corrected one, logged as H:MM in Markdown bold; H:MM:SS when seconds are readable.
**2:47**
